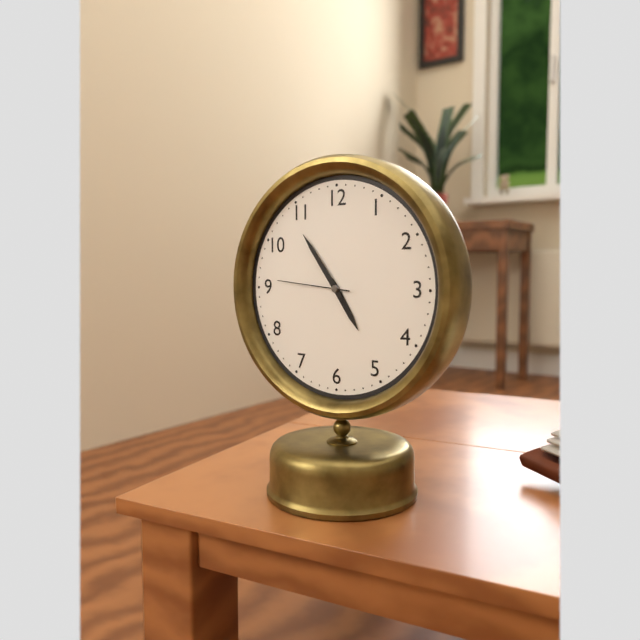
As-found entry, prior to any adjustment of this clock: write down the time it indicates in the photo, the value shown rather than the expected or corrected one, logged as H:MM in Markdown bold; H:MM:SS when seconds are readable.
**4:54:46**
